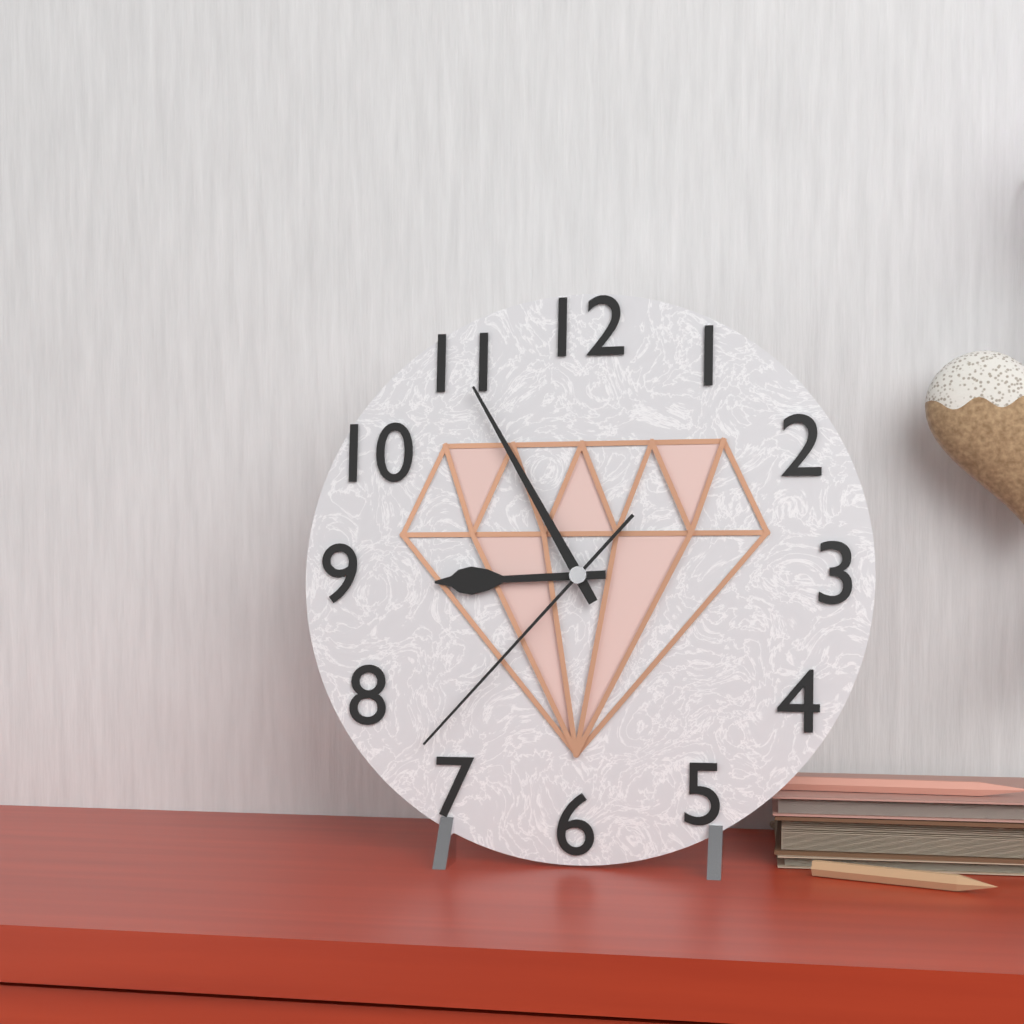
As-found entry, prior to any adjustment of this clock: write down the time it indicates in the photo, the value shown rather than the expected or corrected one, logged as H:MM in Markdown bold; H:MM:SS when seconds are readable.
**8:55:37**
